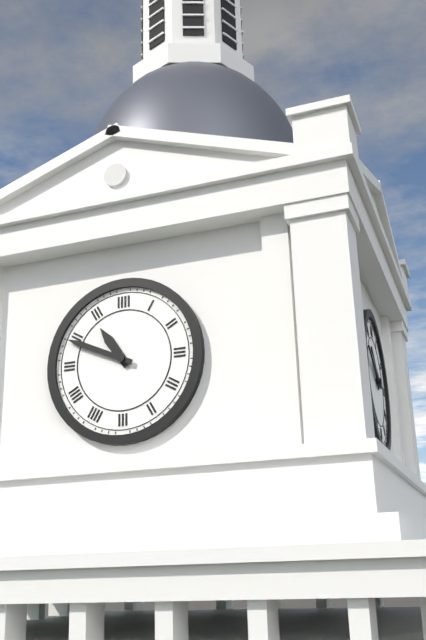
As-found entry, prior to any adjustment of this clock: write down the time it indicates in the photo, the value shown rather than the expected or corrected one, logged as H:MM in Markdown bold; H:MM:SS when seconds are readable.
**10:49**
